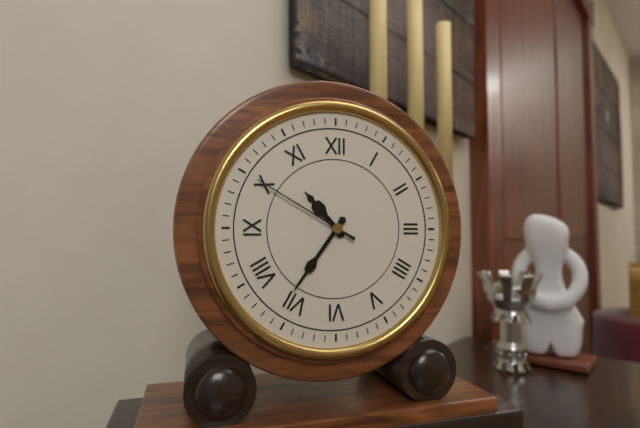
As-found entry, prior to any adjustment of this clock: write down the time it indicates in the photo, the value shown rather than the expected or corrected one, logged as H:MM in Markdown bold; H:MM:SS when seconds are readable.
**10:36:50**
